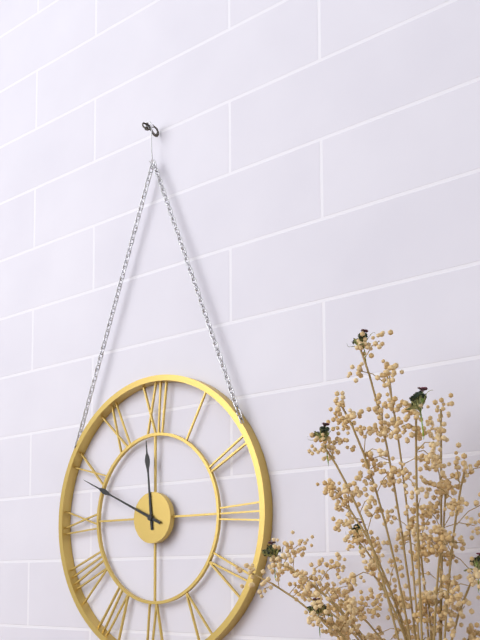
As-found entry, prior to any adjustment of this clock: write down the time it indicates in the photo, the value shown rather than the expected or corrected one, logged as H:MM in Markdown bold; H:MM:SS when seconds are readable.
**11:49**
